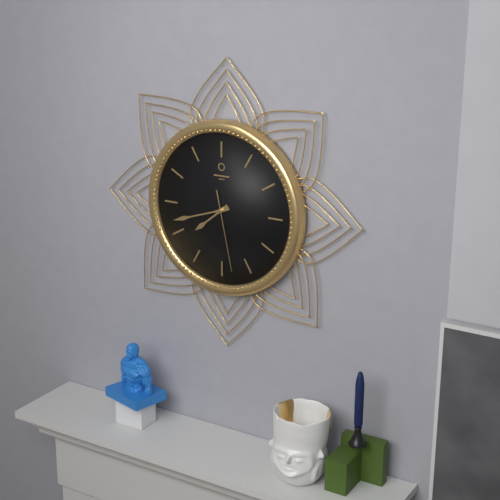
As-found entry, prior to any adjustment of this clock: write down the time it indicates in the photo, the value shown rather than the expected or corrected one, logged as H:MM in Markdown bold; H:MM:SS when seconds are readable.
**7:42:28**
